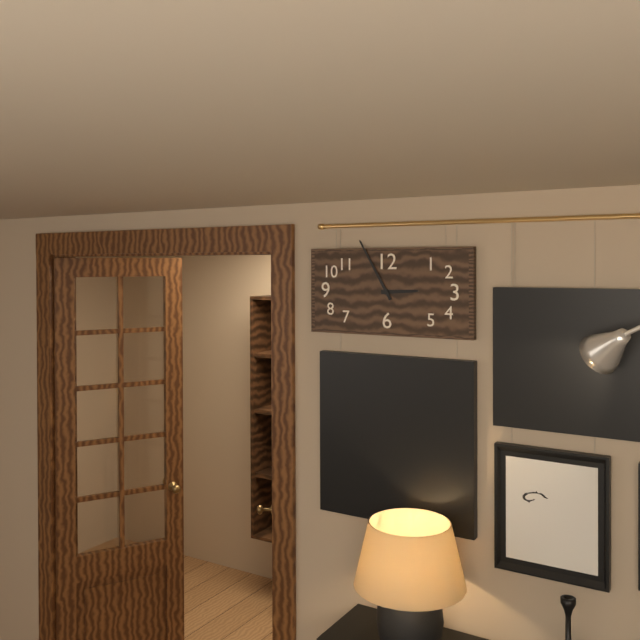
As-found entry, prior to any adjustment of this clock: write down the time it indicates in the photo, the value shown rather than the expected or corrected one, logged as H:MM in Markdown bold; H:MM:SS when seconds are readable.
**2:55**
